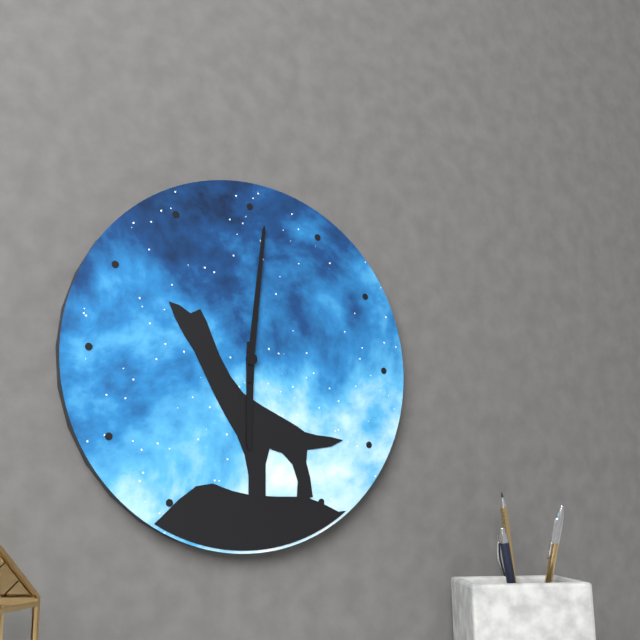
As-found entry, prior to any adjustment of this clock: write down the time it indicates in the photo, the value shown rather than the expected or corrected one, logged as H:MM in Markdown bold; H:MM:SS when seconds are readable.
**6:01**
